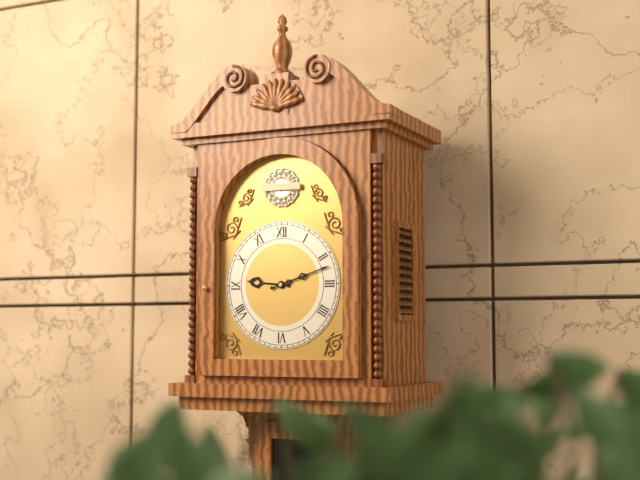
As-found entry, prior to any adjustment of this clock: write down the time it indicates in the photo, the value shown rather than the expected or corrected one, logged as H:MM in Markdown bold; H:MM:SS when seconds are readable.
**9:12**
